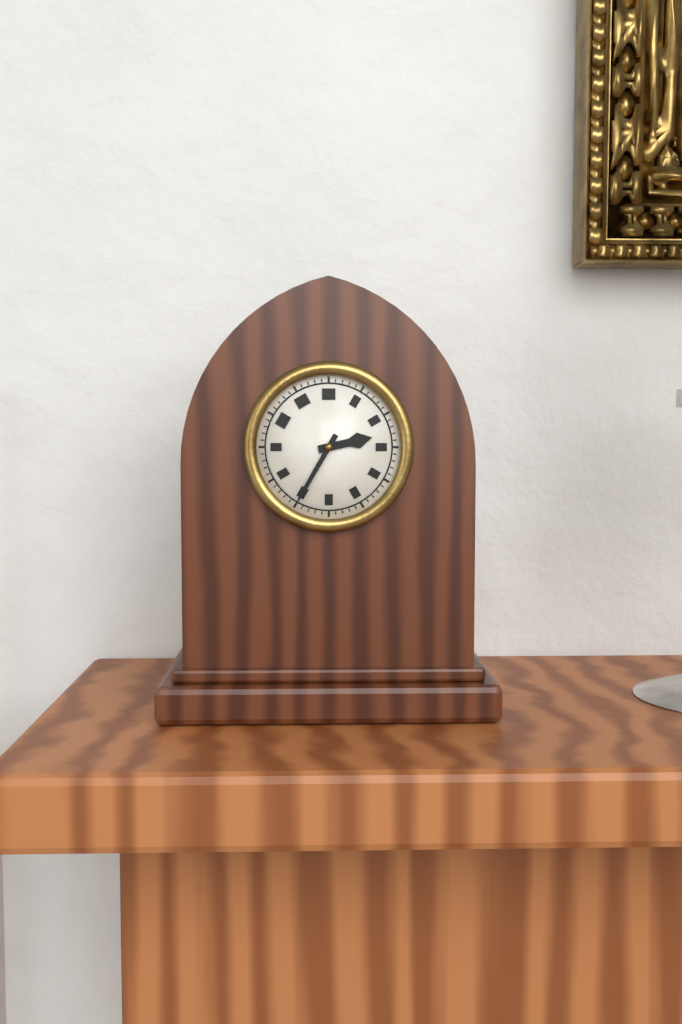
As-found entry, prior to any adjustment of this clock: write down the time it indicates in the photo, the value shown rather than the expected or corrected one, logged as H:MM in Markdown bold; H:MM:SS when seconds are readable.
**2:35**
